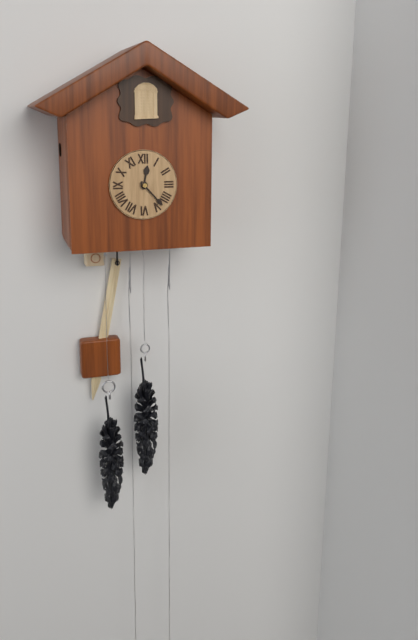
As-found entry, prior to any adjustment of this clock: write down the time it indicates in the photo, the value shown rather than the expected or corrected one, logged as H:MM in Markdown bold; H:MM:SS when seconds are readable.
**12:23**
